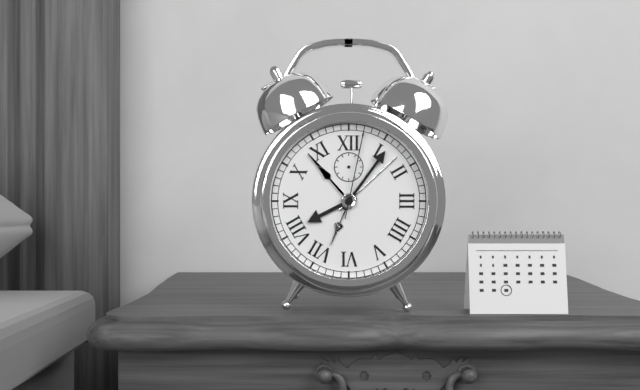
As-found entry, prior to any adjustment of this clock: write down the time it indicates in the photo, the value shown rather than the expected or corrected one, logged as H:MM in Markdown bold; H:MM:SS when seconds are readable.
**8:06:02**
